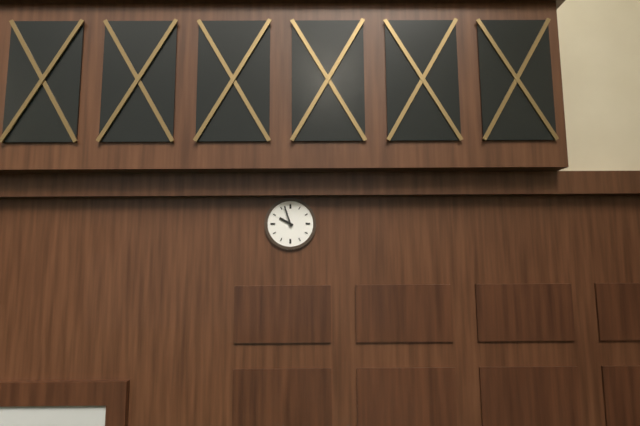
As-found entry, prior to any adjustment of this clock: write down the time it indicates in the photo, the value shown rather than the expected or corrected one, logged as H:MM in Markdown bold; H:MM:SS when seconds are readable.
**9:57**
